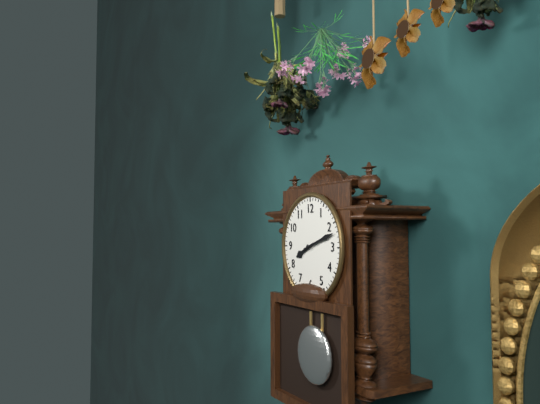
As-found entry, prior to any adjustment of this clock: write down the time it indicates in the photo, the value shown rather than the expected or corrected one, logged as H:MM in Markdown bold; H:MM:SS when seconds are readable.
**8:12**
